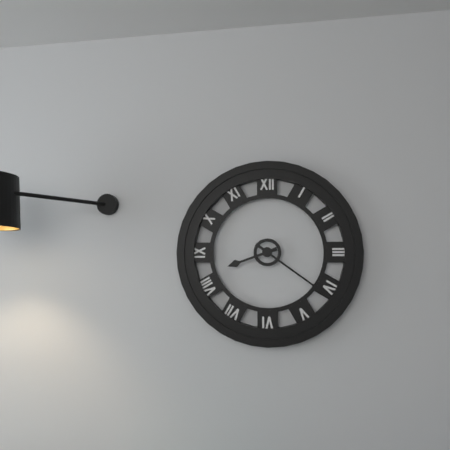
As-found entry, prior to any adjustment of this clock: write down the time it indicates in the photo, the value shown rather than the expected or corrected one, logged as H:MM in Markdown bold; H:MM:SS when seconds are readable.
**8:21**
